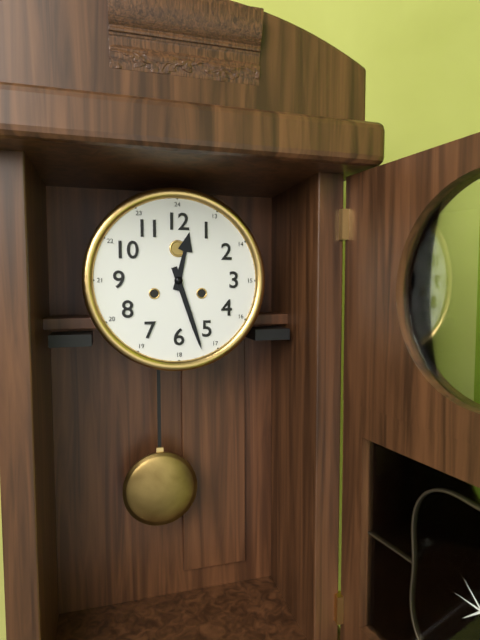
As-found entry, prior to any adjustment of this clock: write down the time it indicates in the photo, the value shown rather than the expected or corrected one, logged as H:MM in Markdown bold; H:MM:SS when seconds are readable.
**12:27**
